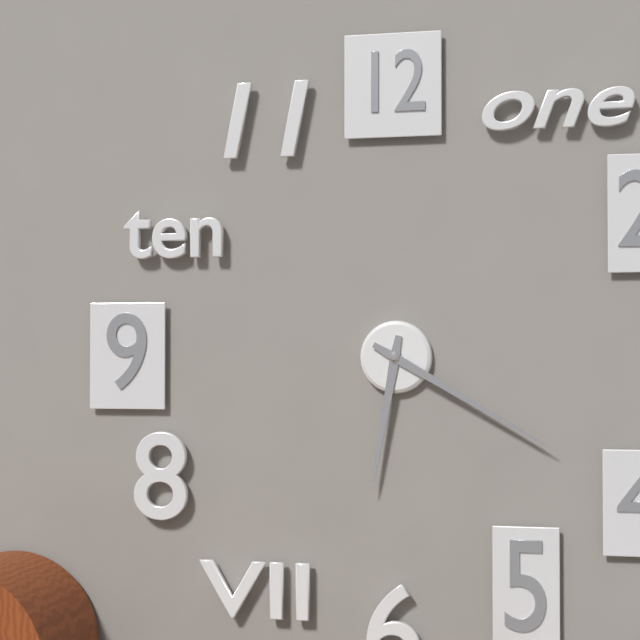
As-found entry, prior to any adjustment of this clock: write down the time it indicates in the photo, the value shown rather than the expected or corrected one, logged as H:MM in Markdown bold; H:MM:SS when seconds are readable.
**6:20**
